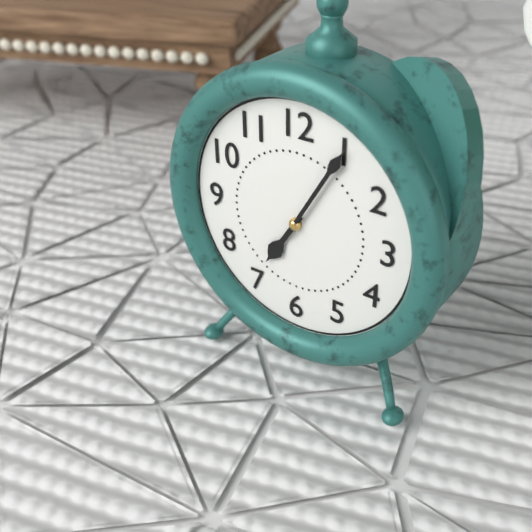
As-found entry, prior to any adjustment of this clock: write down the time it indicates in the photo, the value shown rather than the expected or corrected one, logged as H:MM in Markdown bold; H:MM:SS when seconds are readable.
**7:05**
